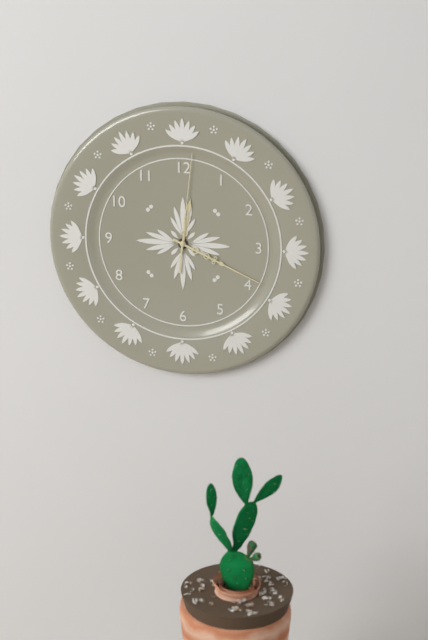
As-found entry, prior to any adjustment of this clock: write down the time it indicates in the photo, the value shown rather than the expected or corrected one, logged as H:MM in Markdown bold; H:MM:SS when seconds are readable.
**12:19:01**
